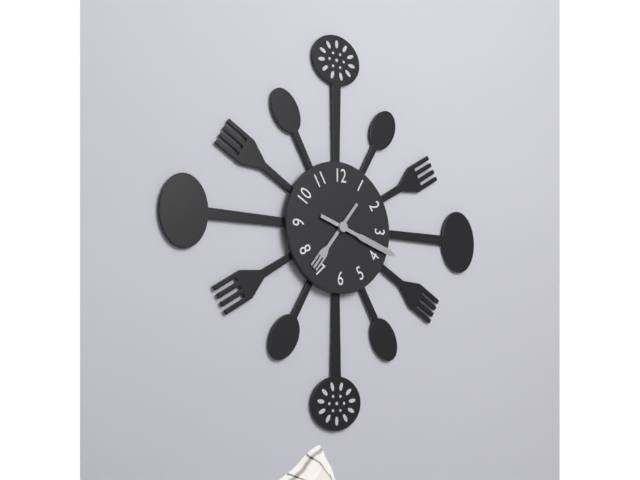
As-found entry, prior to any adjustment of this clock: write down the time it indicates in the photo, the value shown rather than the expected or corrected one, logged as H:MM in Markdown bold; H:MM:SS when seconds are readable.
**7:18**
